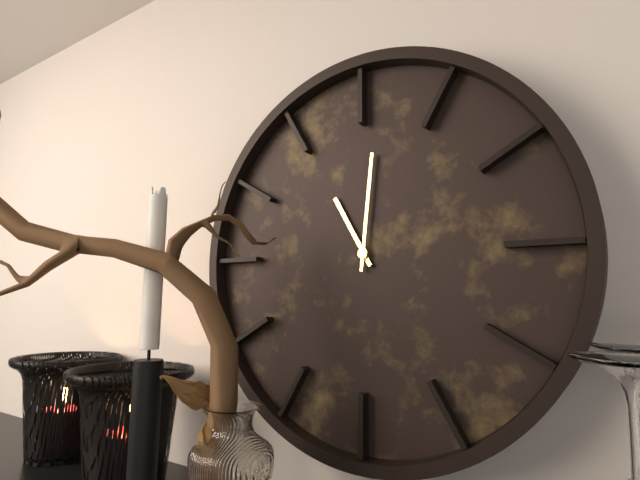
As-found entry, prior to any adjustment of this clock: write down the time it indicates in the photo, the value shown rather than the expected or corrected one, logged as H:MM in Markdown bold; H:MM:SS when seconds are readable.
**11:01**
